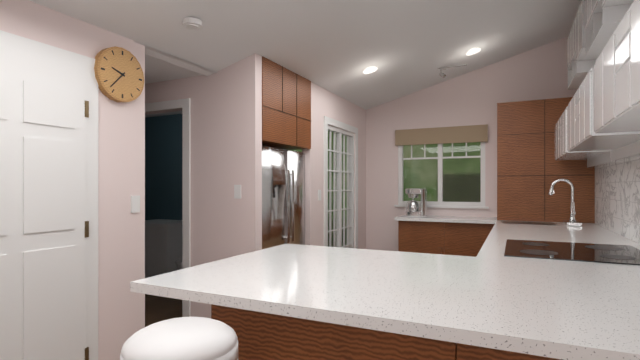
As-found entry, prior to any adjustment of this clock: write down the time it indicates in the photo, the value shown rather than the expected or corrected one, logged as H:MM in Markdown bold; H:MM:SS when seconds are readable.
**9:37**
